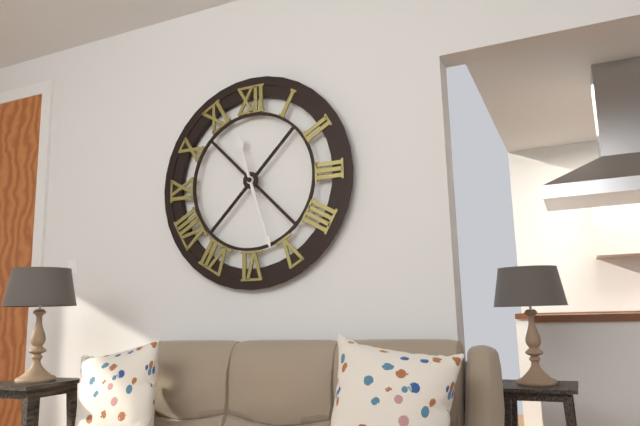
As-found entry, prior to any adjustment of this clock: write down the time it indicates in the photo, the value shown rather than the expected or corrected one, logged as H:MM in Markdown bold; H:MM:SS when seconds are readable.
**11:27**
